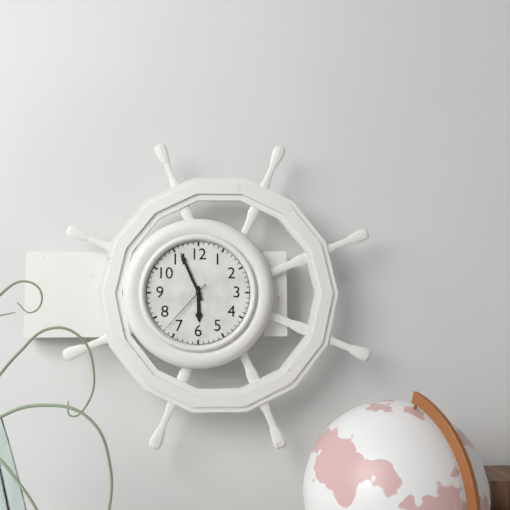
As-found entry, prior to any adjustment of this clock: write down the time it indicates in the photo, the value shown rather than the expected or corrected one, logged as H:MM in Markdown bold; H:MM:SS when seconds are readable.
**5:56:37**
